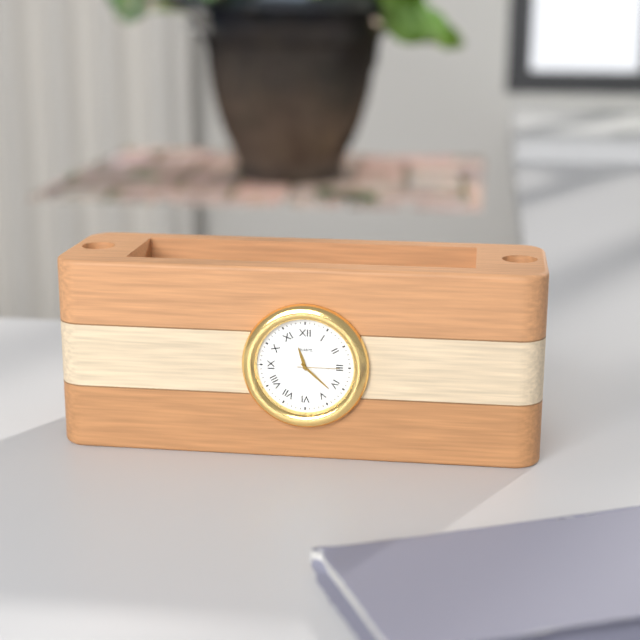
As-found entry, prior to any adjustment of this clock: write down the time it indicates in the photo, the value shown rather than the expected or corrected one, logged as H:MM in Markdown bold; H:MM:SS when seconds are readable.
**11:22**
